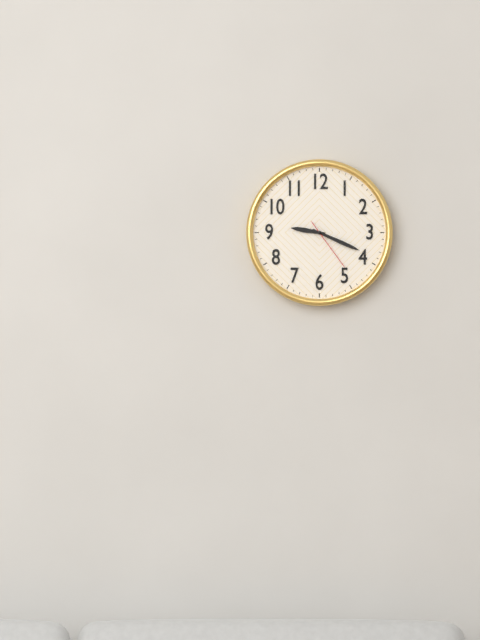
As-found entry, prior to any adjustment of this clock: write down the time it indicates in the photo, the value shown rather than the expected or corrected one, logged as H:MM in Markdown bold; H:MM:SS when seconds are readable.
**9:19:24**
